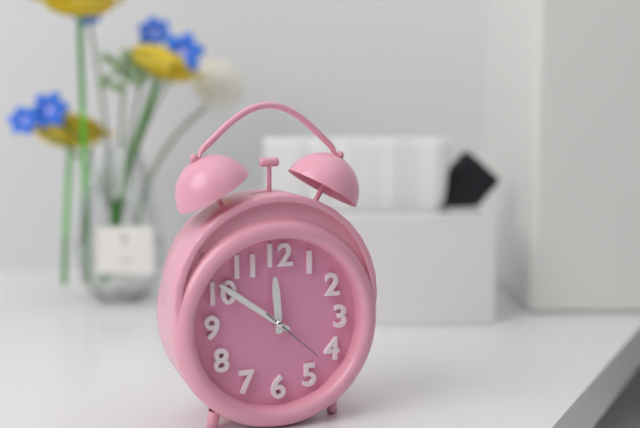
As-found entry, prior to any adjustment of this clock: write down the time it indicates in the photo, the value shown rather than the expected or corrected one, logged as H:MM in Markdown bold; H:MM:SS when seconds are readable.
**11:51:22**
